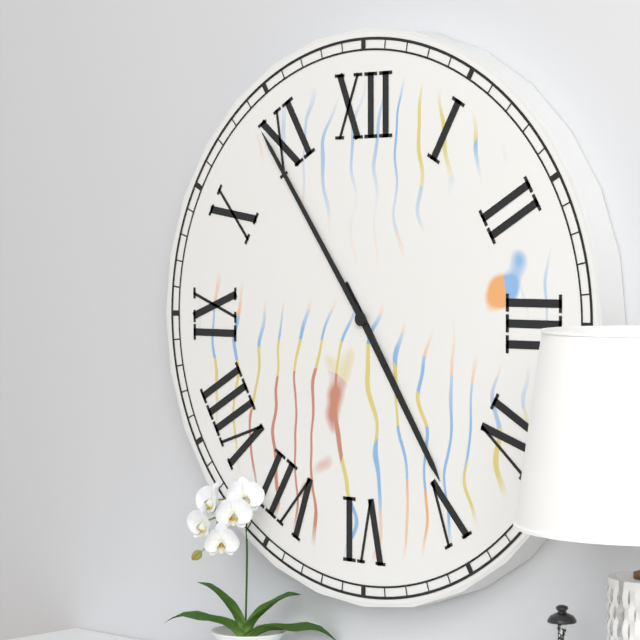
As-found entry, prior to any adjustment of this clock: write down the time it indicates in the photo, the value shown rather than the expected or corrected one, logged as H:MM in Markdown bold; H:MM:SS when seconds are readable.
**4:54**
